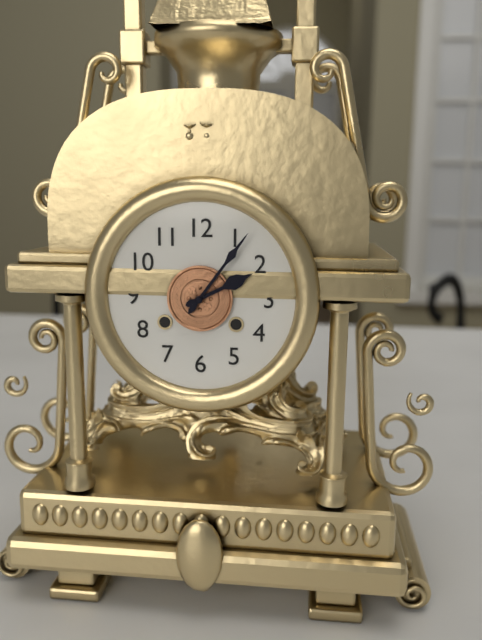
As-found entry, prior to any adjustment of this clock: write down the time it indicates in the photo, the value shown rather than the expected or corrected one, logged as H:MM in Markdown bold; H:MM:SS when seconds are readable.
**2:06**
